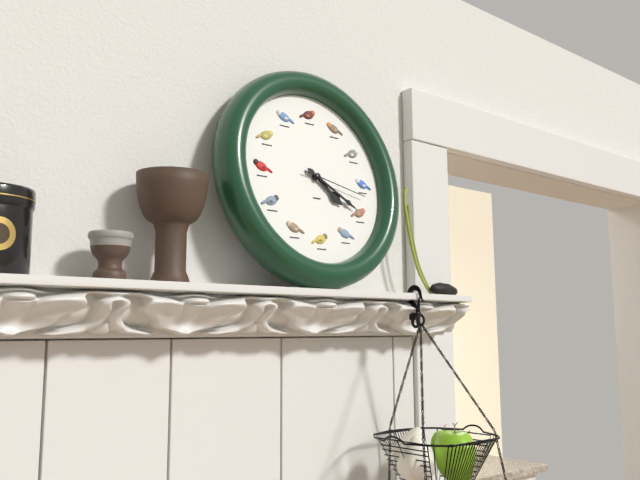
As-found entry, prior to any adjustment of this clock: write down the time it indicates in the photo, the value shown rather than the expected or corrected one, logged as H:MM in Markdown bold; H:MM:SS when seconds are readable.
**4:20:17**
